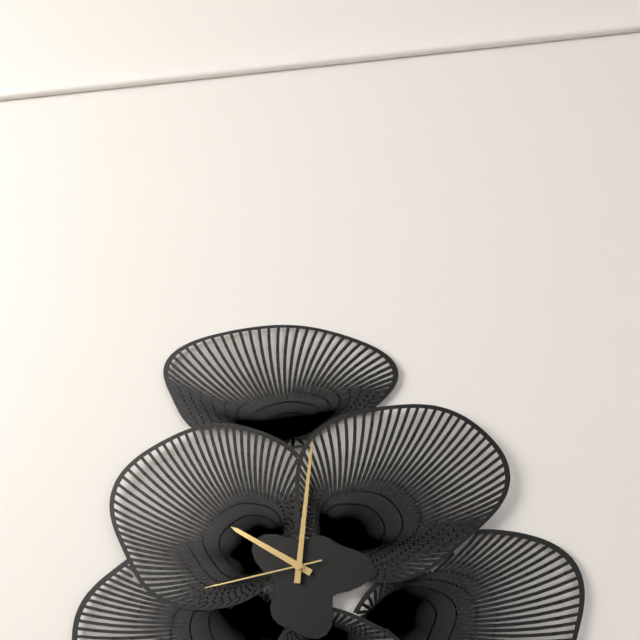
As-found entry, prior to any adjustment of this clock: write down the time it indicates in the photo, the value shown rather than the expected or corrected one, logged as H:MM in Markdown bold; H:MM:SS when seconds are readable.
**10:01:43**
